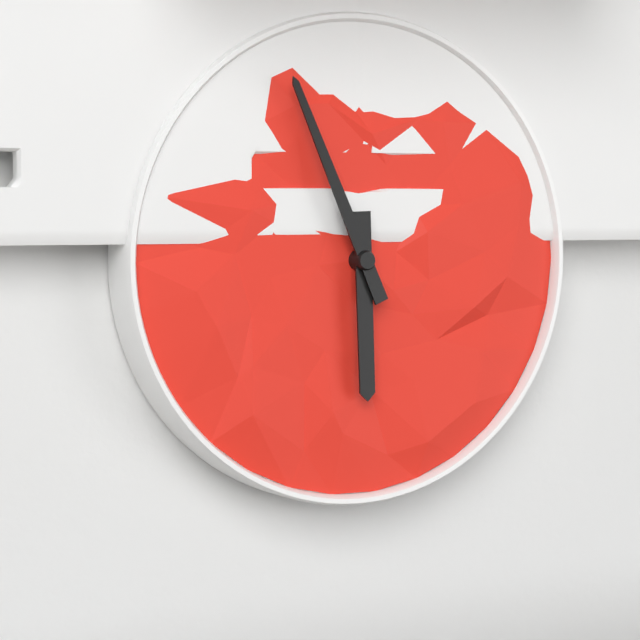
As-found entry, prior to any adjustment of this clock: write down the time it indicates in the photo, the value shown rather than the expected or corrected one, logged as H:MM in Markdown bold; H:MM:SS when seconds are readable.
**5:56**
